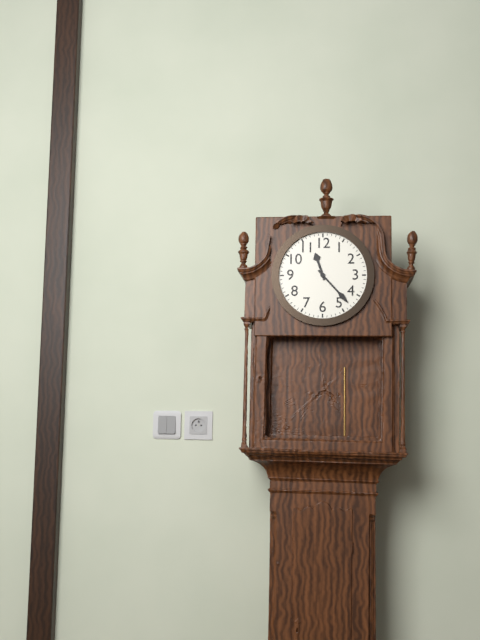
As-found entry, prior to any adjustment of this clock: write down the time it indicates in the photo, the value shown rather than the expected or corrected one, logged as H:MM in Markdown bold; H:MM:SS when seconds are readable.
**11:23**
